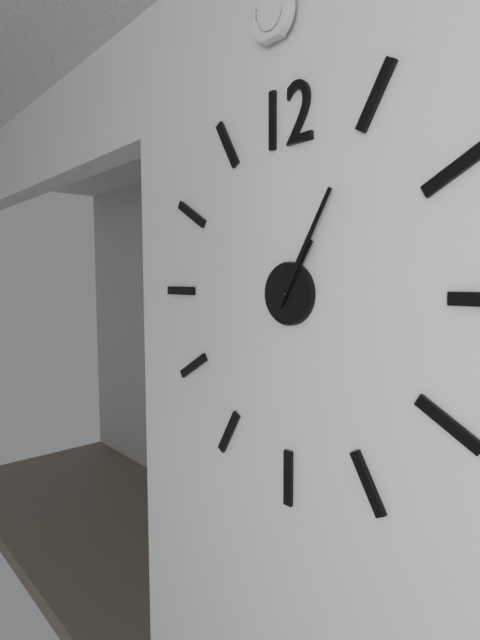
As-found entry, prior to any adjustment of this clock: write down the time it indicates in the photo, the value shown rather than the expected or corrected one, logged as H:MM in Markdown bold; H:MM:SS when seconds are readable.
**1:05**
